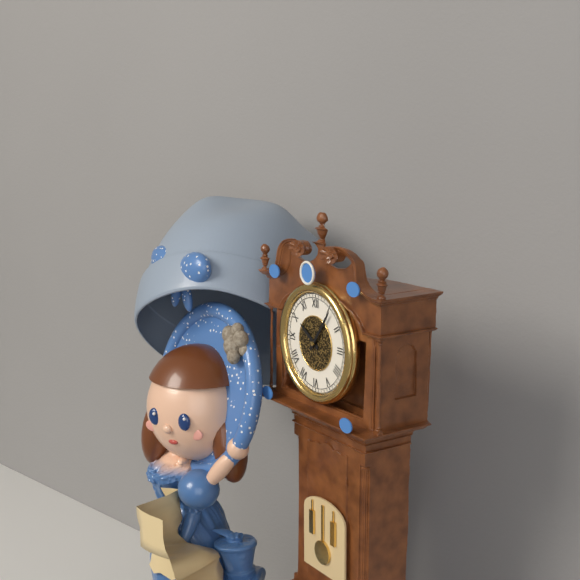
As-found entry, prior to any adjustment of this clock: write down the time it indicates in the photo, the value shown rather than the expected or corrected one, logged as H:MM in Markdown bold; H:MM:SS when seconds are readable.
**10:06**
